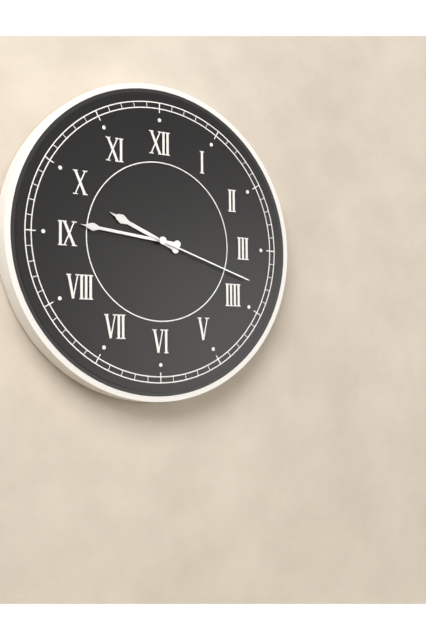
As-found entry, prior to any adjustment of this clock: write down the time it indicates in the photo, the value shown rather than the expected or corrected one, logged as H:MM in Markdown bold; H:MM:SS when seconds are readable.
**9:46:18**
